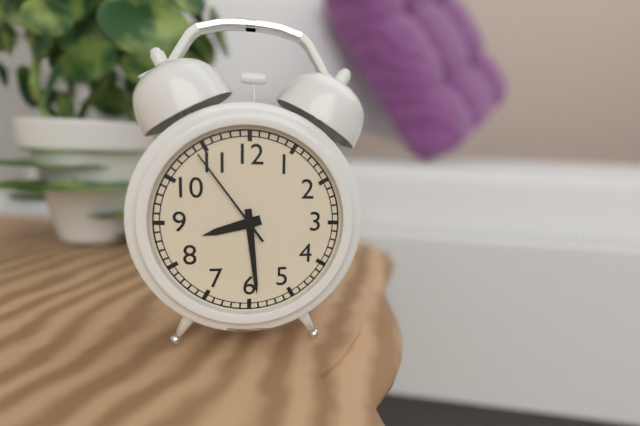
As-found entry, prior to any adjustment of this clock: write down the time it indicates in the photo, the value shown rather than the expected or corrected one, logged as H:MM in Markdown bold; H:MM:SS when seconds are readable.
**8:29:54**
